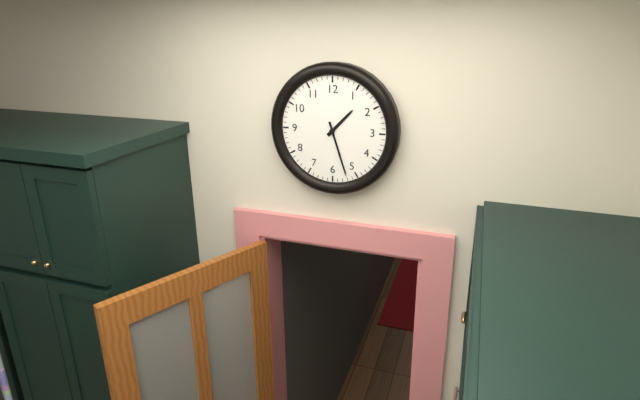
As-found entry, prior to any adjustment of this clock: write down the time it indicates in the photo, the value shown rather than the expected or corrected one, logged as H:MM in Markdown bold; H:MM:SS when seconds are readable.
**1:27**
